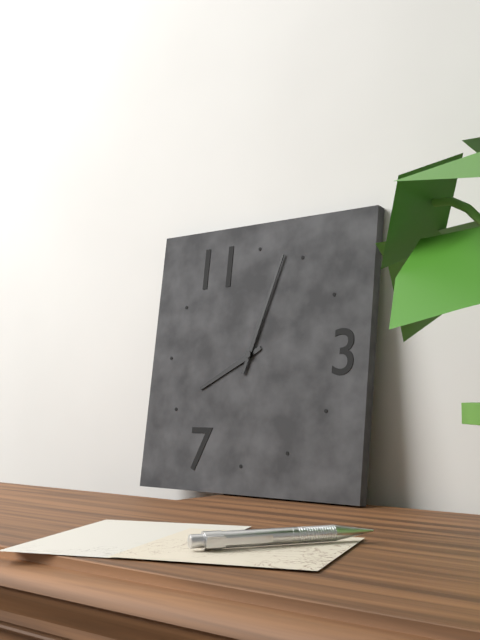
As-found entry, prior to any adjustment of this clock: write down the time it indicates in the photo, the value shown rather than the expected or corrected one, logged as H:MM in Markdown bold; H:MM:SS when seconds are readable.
**8:03**
